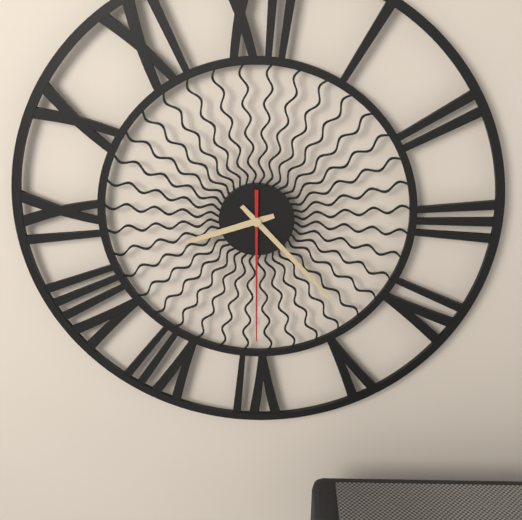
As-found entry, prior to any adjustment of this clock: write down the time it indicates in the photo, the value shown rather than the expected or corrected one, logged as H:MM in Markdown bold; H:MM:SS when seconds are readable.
**8:23:30**
